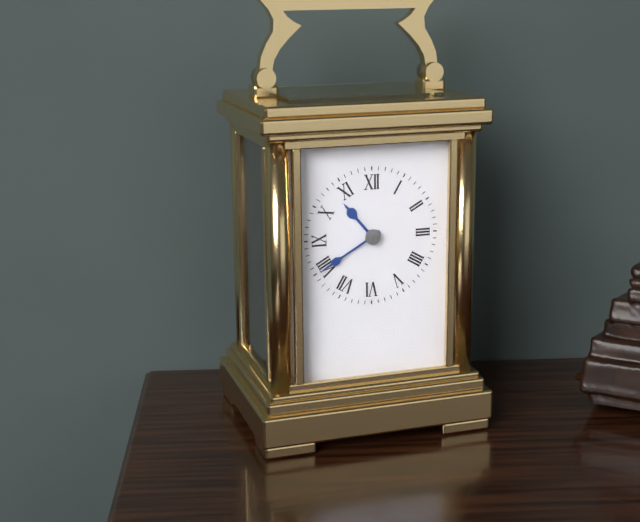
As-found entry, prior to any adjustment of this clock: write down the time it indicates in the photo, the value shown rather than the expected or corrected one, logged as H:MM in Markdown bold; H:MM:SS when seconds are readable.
**10:40**
